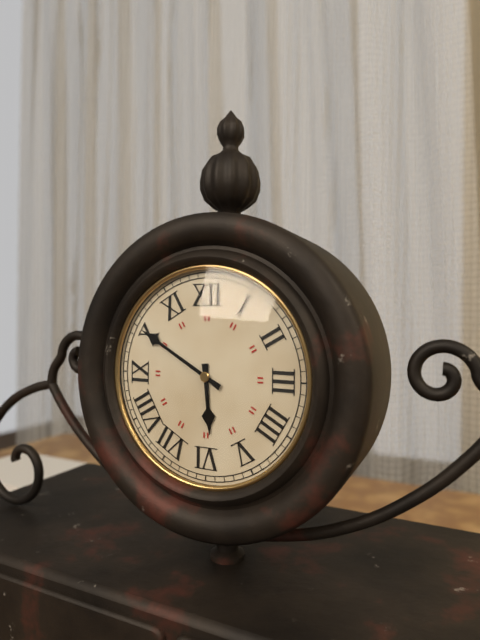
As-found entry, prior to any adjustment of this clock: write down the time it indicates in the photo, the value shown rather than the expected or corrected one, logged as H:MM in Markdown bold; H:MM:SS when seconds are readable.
**5:50**
